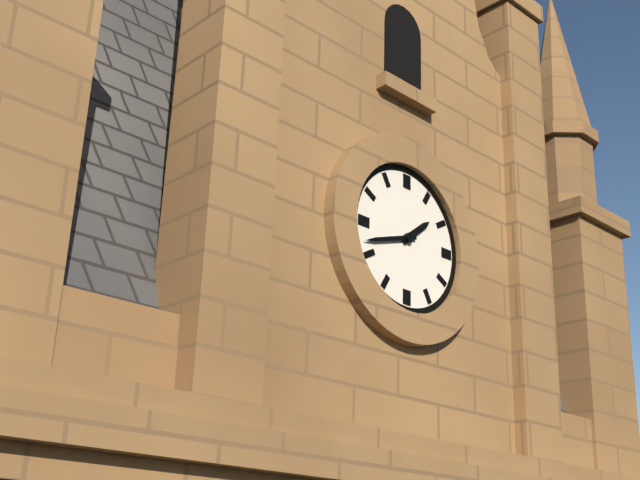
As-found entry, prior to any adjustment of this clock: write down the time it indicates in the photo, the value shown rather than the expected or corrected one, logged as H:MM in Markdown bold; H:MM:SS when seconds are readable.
**1:42**
